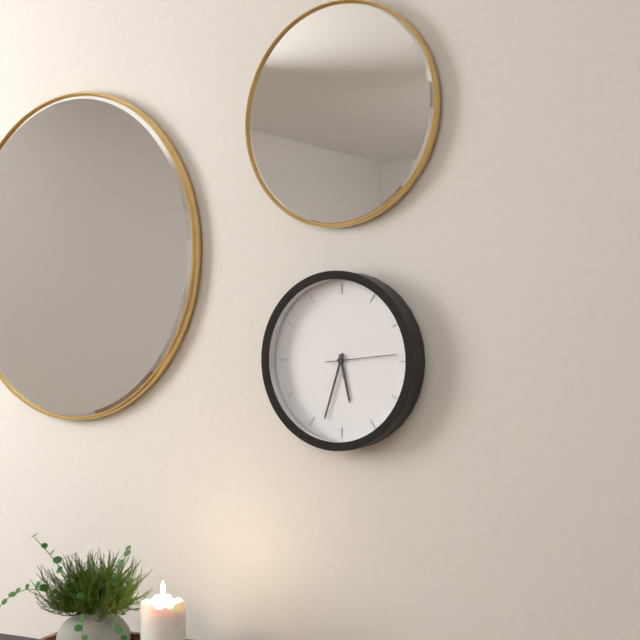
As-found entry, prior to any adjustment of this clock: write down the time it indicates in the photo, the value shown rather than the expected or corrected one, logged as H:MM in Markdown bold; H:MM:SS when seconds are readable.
**5:33:14**
